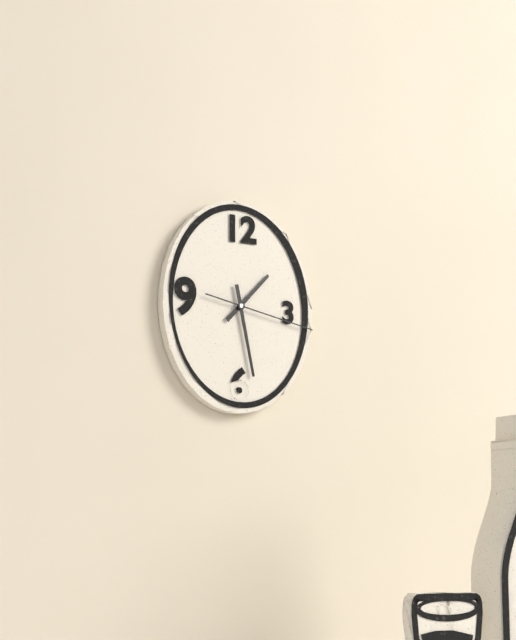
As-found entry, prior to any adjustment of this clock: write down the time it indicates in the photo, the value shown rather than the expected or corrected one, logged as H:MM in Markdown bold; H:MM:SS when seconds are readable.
**1:28:17**
